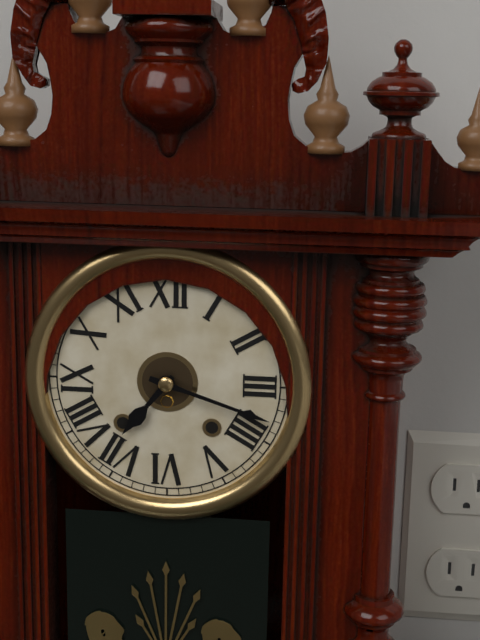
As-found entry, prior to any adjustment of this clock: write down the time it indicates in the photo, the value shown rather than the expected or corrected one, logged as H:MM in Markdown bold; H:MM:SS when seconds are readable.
**7:18**
